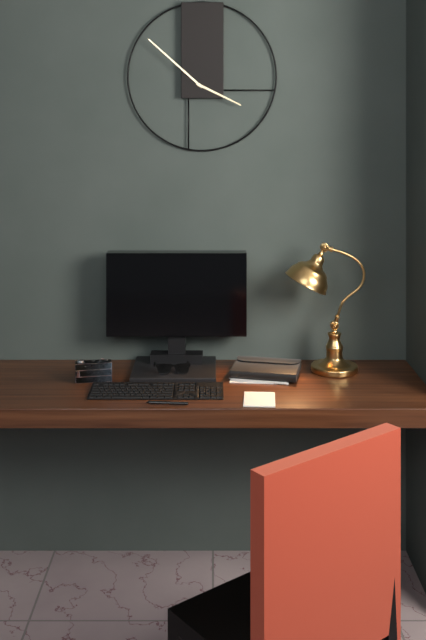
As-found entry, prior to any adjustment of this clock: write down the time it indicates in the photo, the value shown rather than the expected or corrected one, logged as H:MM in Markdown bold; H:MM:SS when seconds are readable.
**3:52**
